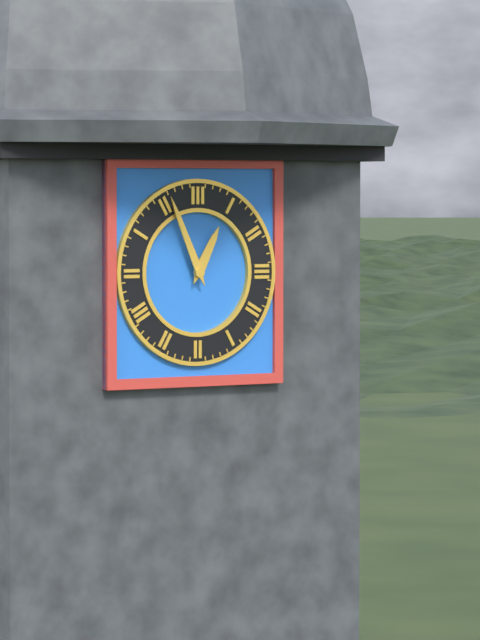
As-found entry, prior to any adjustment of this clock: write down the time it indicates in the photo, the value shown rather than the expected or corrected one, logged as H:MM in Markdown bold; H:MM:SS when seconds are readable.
**12:56**
